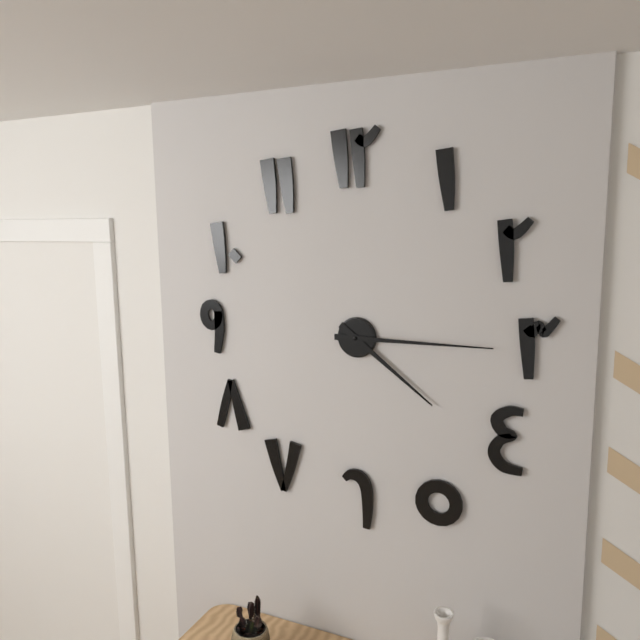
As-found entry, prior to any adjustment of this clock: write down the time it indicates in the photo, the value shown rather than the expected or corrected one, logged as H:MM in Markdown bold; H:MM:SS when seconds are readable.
**4:15**
